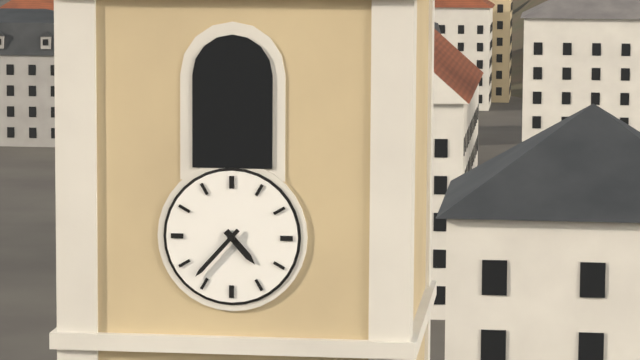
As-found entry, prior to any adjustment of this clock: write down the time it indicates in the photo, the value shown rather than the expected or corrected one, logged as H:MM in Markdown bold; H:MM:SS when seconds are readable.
**4:37**
